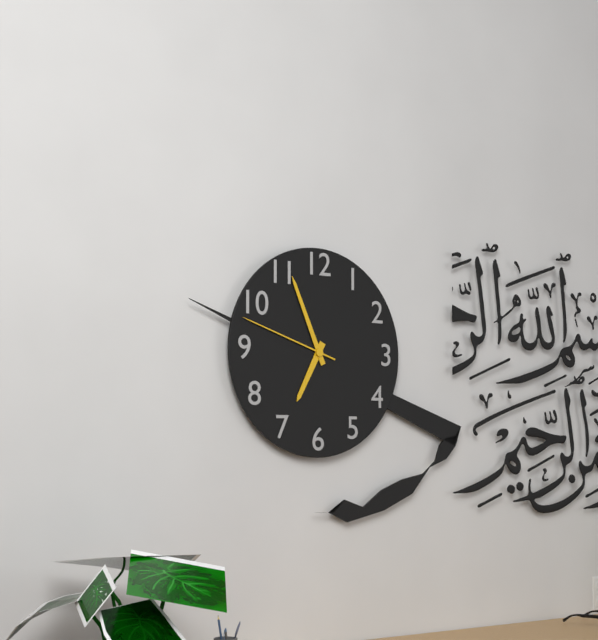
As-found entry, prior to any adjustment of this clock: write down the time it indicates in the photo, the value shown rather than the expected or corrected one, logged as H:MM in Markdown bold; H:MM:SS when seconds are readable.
**6:56:48**
